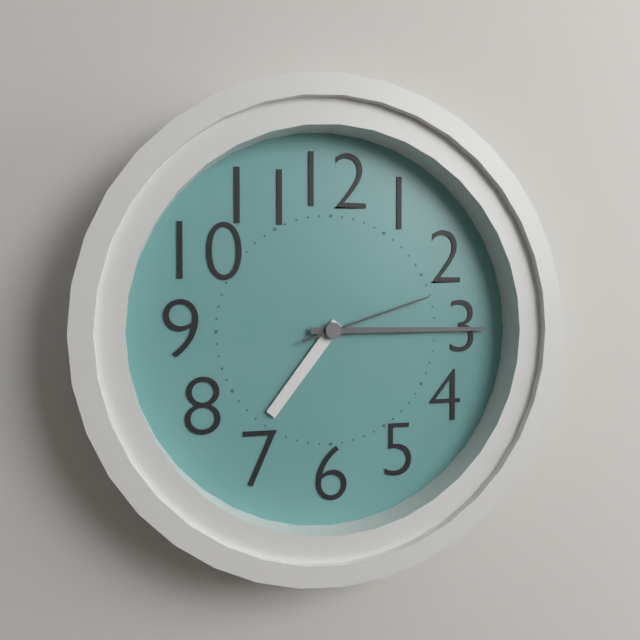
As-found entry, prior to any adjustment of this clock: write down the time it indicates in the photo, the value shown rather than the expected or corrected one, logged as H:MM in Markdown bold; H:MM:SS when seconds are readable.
**7:15:12**
